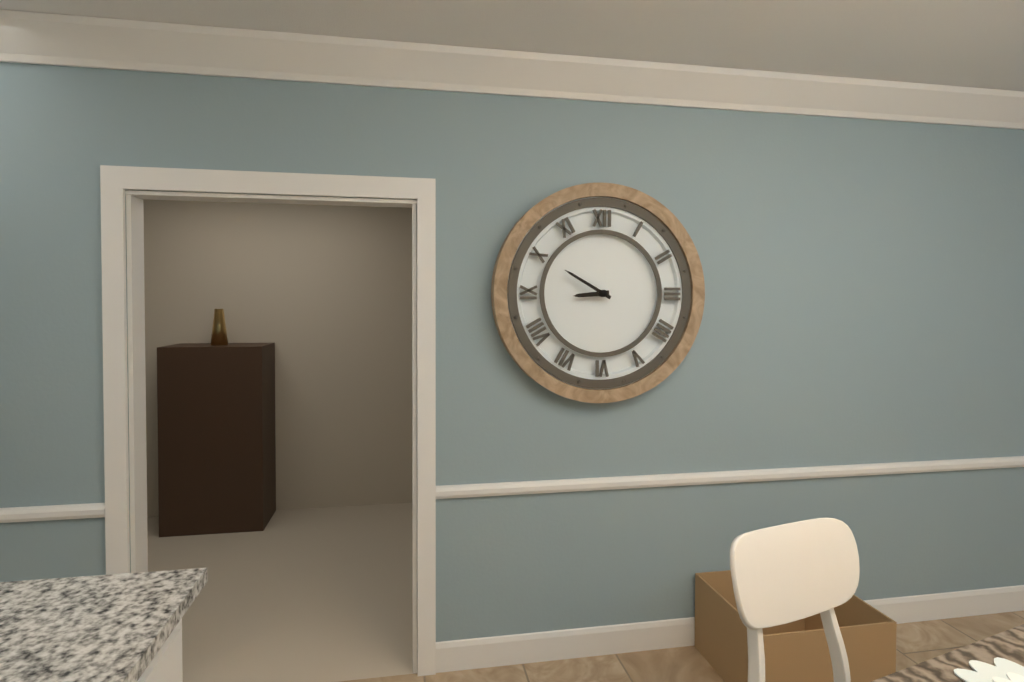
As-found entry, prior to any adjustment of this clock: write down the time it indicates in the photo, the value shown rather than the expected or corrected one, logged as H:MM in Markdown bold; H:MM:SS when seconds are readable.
**8:50**
